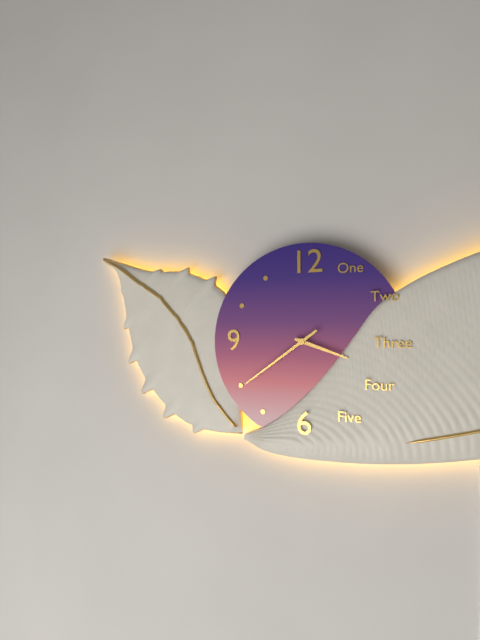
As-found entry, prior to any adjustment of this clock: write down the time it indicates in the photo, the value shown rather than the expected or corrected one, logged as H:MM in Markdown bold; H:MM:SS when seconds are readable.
**3:39**
